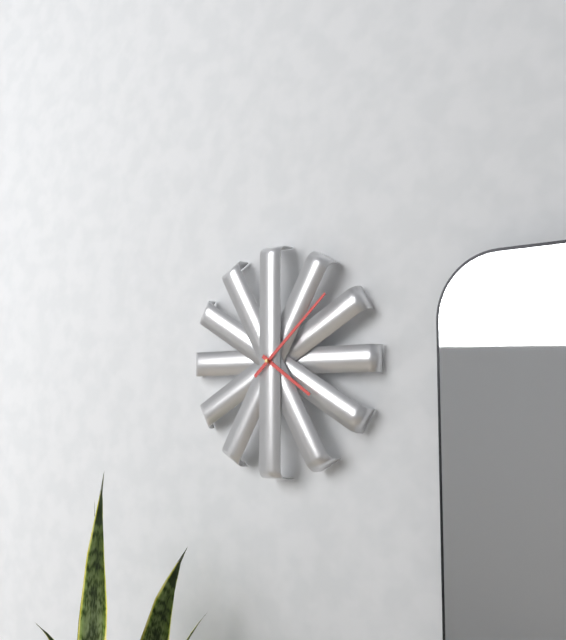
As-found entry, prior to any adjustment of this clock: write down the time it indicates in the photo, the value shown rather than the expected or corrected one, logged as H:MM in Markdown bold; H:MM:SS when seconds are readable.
**4:08**
